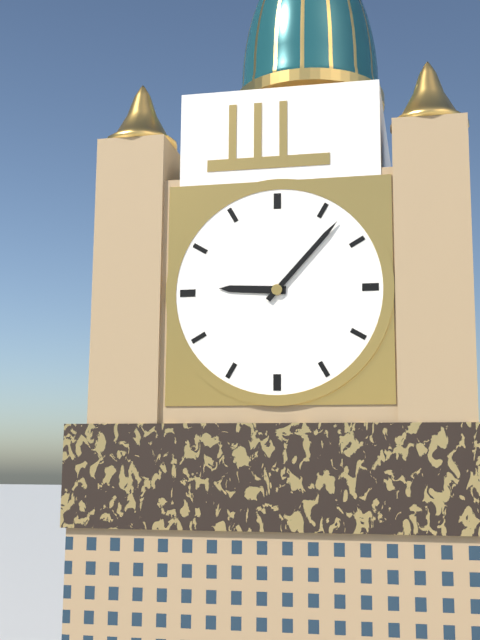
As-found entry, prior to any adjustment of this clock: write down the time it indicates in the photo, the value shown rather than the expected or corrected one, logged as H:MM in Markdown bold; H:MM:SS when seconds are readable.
**9:07**
